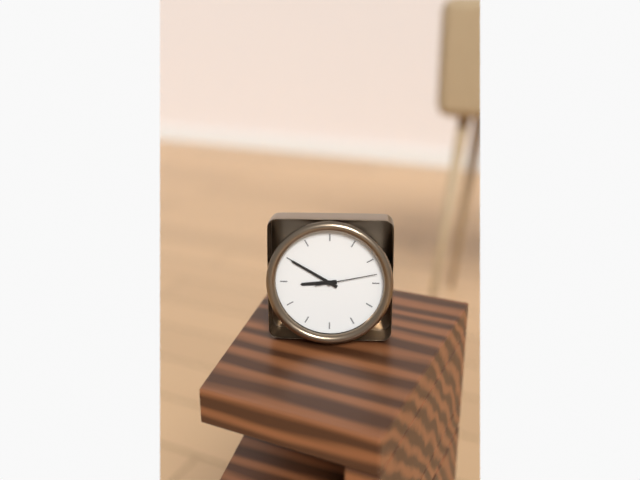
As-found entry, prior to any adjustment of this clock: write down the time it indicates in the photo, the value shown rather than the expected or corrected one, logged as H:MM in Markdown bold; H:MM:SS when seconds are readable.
**8:50:13**
